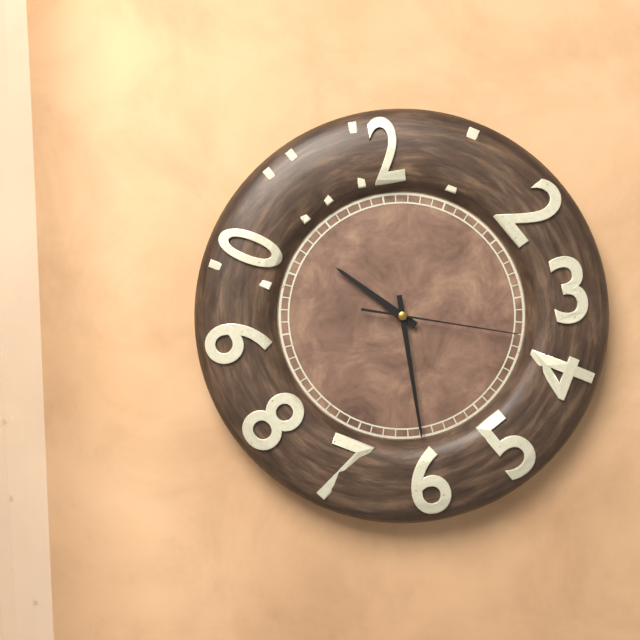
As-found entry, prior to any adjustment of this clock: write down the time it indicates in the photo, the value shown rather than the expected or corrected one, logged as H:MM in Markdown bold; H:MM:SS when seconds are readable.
**10:30:18**
